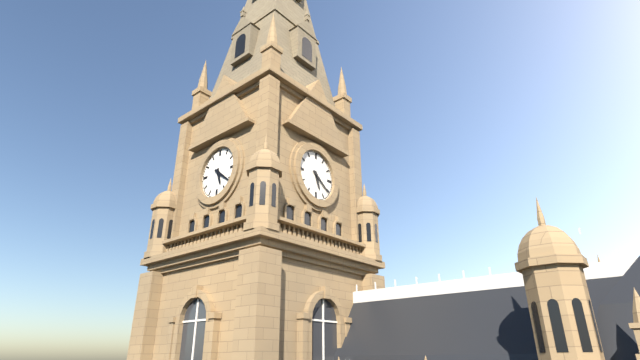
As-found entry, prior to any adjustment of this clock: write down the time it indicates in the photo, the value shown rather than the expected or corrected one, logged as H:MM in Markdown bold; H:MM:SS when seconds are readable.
**5:21**
